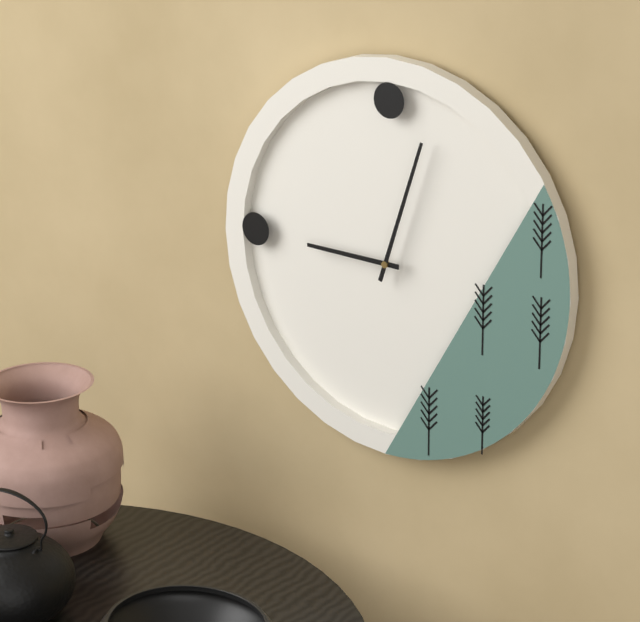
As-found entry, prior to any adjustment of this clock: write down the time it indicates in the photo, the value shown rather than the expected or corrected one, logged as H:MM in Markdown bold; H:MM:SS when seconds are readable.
**9:03**
